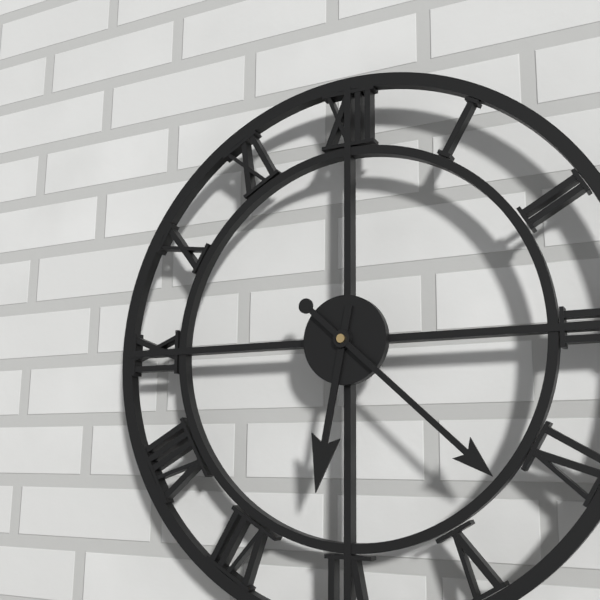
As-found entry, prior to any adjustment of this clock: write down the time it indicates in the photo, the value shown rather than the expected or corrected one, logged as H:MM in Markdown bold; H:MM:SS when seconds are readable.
**6:22**
